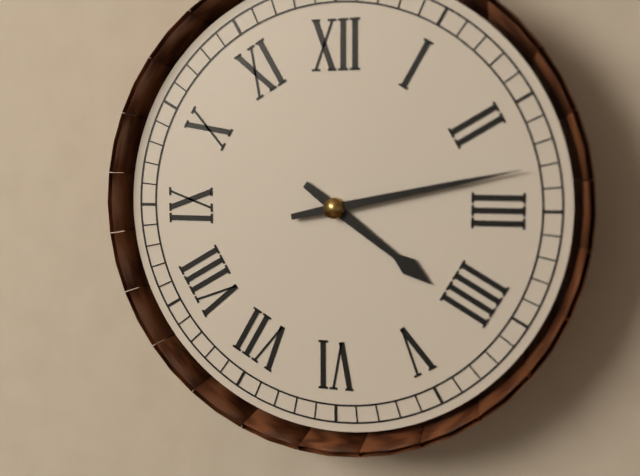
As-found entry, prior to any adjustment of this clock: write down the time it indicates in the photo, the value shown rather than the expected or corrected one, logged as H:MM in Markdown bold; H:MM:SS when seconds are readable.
**4:13**
